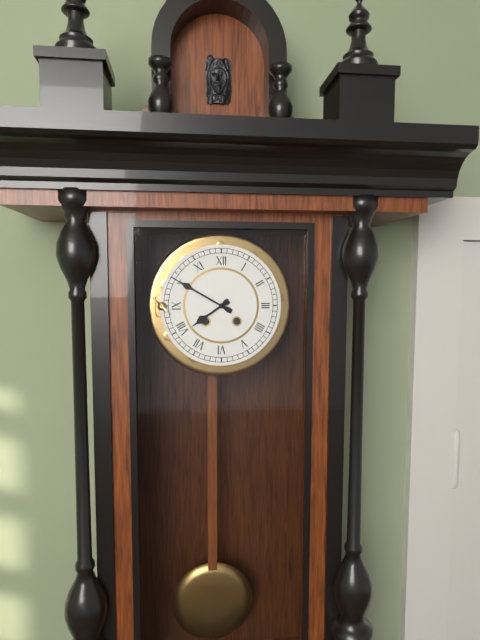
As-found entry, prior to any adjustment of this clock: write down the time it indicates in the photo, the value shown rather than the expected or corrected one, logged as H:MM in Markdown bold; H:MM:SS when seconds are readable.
**7:50**
